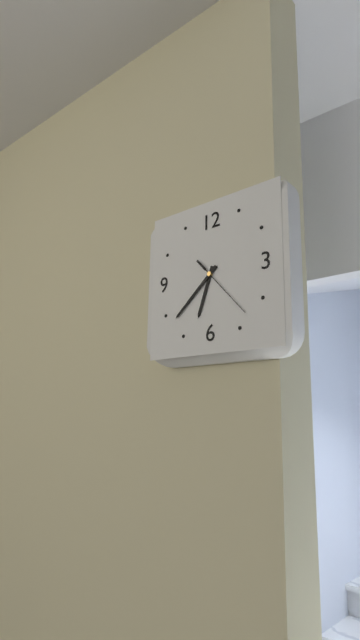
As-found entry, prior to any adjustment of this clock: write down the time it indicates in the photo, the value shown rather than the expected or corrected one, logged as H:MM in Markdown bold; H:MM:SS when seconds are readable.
**6:38:23**
